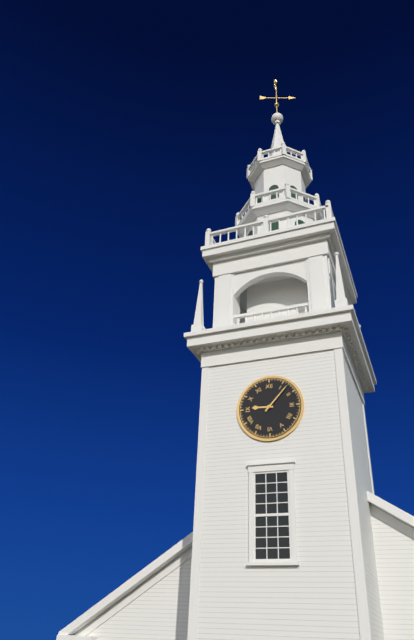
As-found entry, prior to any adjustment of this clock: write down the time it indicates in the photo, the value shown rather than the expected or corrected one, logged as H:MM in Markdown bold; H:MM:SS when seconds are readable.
**9:07**
